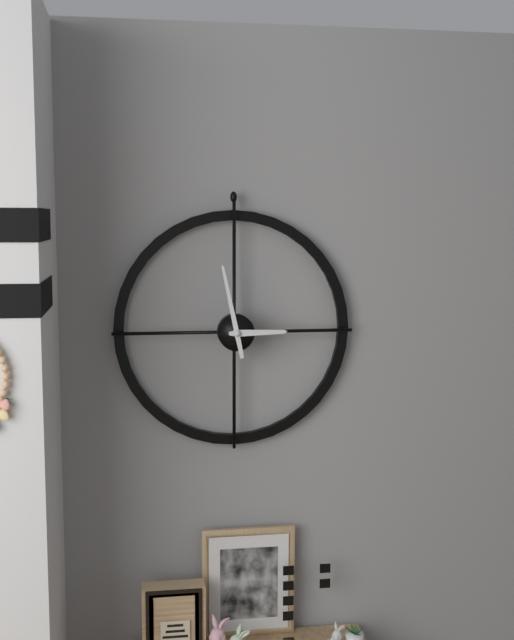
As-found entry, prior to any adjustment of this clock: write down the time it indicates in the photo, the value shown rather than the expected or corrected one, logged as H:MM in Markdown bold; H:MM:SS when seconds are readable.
**2:58**
